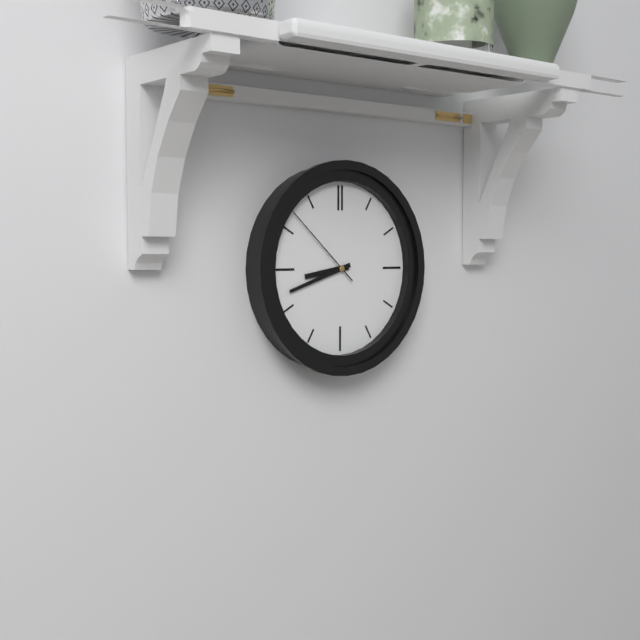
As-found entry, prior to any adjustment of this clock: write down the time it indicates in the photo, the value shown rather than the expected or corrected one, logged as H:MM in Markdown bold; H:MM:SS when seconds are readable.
**8:42:52**
